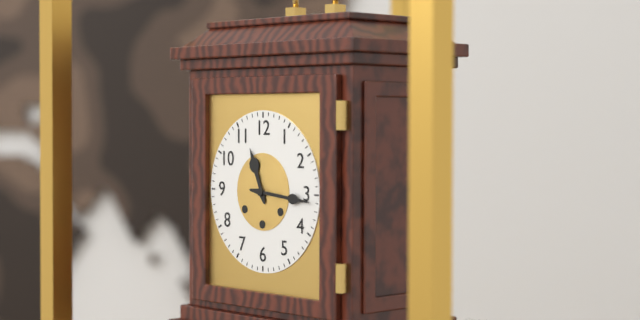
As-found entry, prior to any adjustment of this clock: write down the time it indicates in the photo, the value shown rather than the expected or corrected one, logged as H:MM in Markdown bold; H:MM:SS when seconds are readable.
**11:16**
